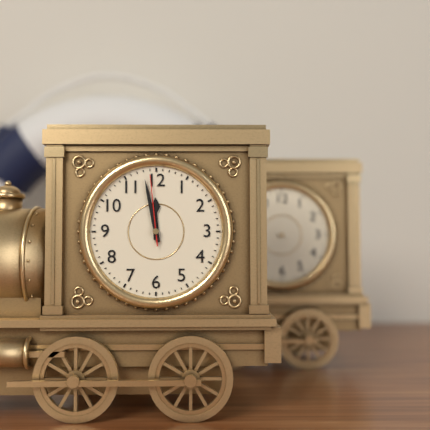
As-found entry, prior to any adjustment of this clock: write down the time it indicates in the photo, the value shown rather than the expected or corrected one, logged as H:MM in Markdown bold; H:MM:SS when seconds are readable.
**11:58:59**
